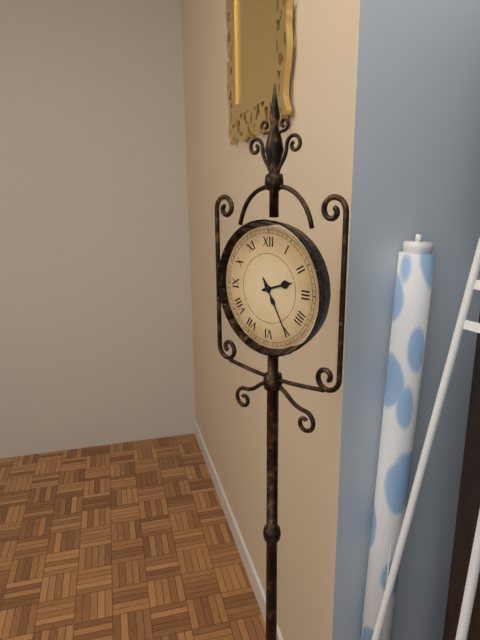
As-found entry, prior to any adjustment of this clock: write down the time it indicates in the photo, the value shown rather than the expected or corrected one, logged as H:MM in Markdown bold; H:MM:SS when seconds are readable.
**2:25**
